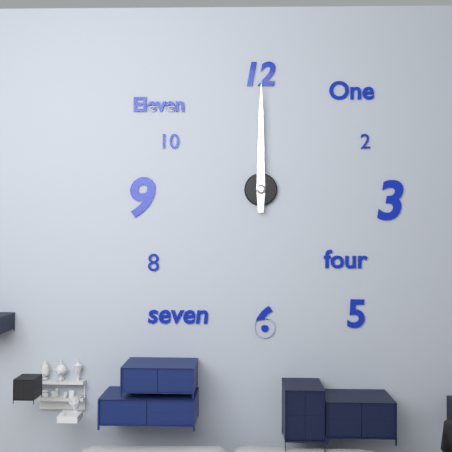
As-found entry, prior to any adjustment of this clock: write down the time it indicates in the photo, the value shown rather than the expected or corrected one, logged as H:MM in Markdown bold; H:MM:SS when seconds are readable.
**12:00**
